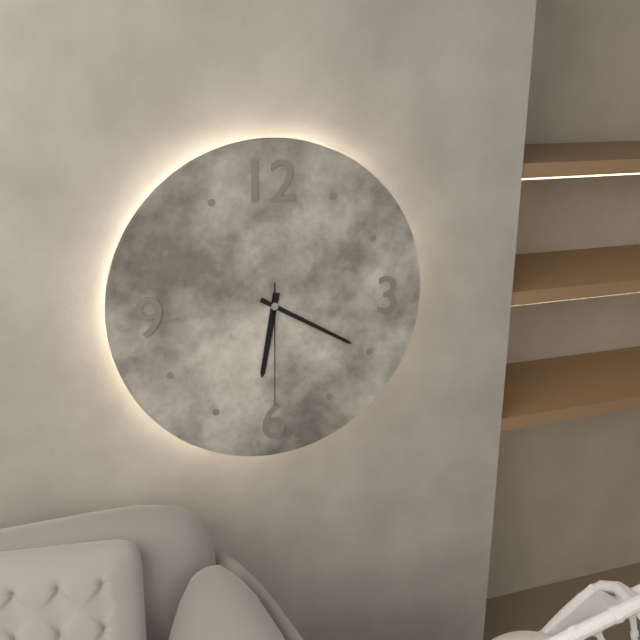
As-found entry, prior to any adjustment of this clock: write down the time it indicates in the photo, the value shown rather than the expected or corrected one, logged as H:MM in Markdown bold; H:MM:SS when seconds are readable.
**6:20:30**
